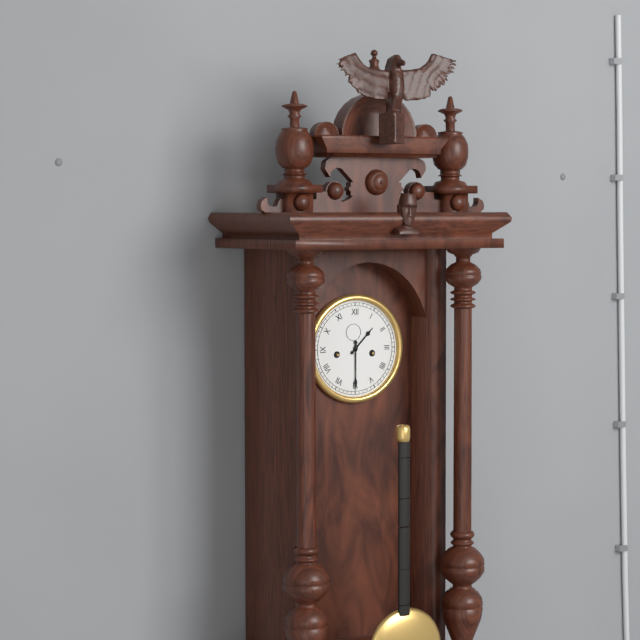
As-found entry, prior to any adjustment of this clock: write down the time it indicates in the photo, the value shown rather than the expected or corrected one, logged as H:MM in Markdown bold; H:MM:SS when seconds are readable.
**1:30**
